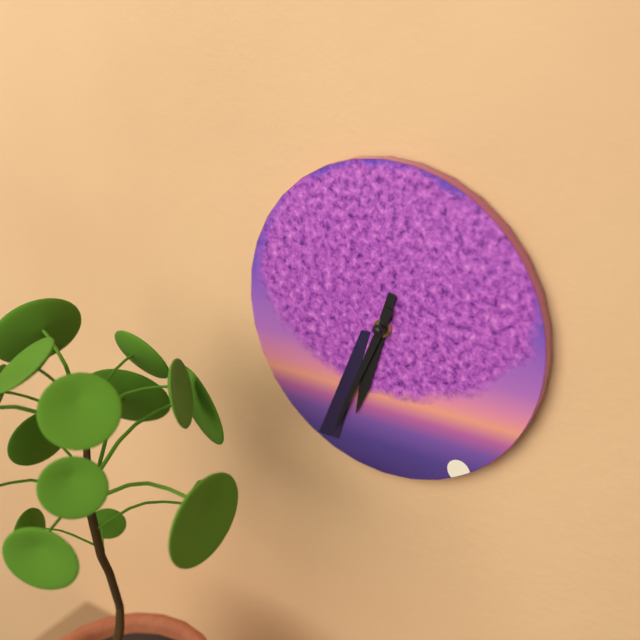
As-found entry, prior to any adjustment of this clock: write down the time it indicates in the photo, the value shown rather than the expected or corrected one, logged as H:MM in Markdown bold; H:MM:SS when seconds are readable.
**6:34**
